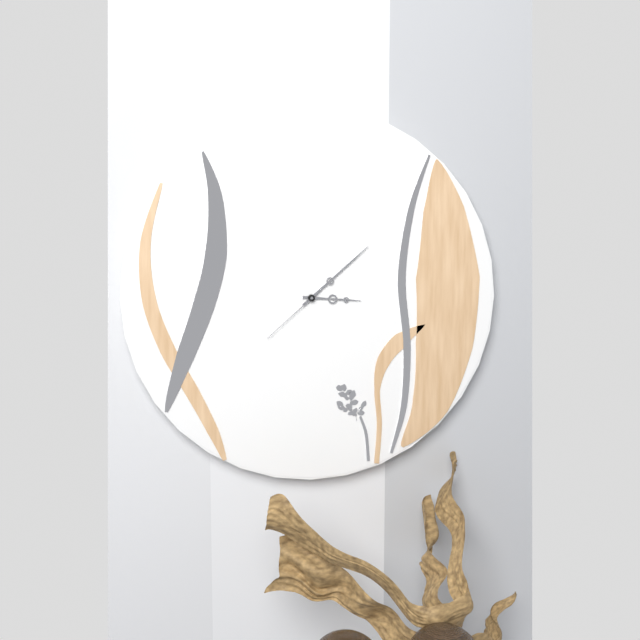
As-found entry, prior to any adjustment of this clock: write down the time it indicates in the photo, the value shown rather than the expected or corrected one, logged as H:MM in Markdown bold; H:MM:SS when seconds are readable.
**3:08:38**
